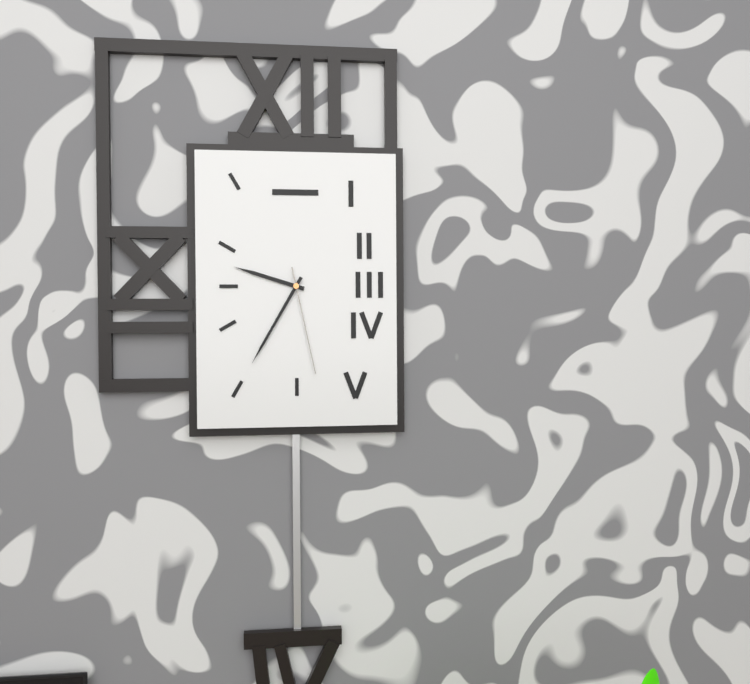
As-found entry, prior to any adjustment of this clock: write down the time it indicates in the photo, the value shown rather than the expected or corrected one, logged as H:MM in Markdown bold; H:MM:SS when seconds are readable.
**9:35:28**
